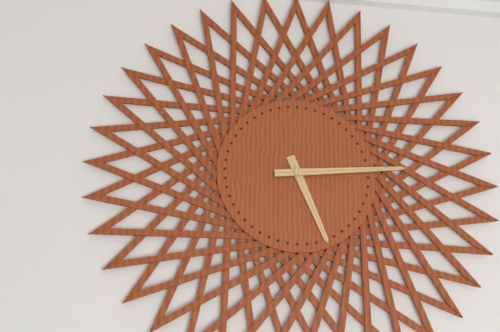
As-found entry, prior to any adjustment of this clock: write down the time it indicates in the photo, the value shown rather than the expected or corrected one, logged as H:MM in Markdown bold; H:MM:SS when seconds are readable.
**5:14**
